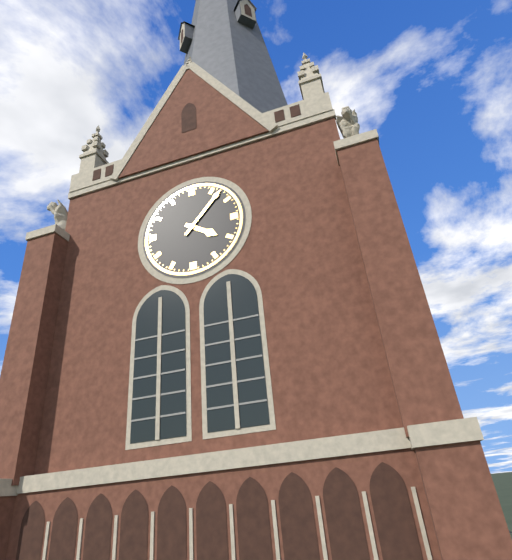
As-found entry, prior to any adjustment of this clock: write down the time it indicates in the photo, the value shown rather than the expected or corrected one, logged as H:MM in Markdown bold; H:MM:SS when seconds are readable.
**4:07**
